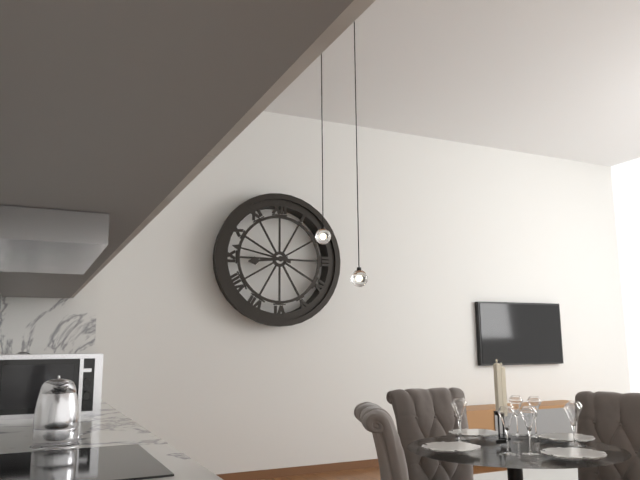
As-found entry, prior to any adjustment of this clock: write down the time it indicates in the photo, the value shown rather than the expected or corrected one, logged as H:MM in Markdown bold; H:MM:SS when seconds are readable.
**8:47**
